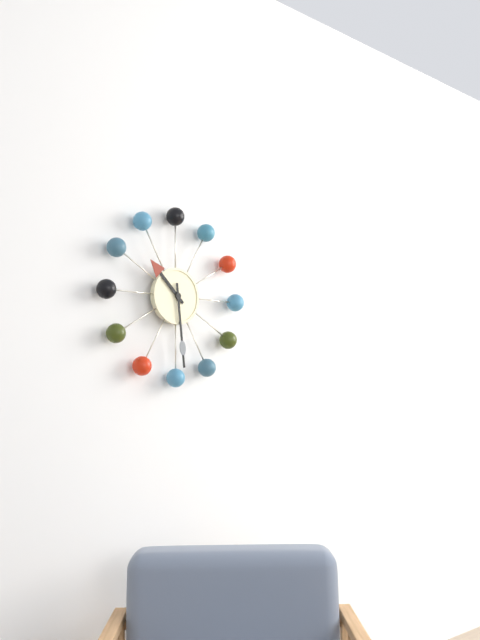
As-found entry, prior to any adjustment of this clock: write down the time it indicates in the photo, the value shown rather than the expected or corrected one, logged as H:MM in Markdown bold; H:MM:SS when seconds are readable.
**10:29**
